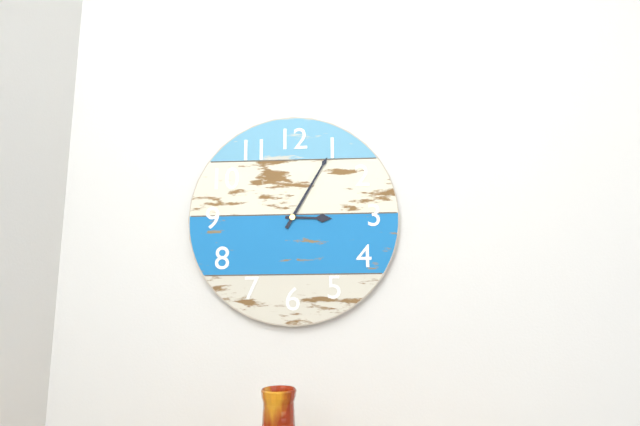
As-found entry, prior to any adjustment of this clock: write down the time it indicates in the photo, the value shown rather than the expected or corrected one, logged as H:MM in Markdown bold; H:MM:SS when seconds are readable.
**3:05**
